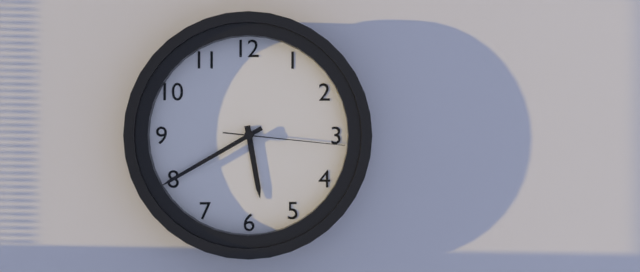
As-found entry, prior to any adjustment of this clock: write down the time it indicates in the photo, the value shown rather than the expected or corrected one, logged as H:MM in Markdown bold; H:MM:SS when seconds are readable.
**5:40:16**
